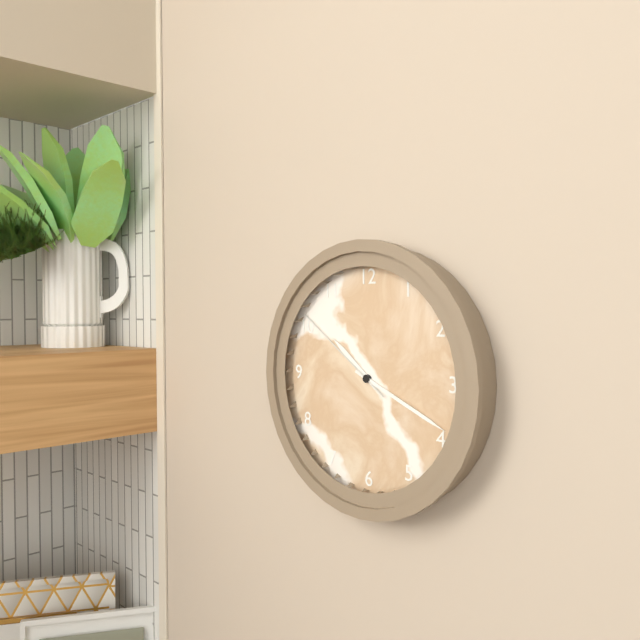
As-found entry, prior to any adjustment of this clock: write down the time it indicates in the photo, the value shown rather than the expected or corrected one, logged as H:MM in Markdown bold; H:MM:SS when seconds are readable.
**10:19:51**
